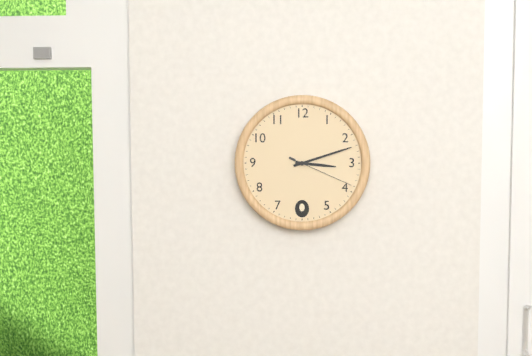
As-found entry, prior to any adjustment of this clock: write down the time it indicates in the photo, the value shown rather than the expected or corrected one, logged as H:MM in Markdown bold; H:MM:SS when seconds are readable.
**3:12:19**
